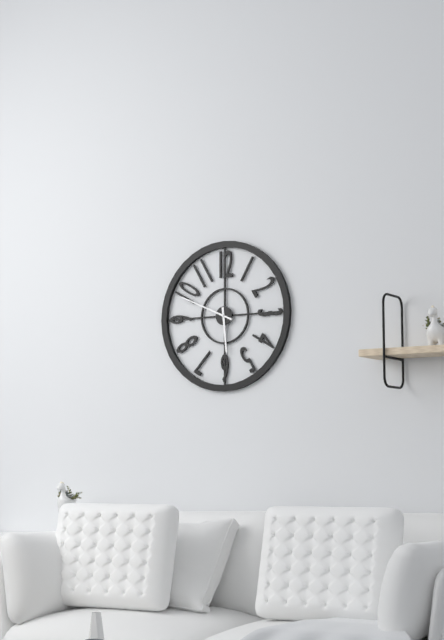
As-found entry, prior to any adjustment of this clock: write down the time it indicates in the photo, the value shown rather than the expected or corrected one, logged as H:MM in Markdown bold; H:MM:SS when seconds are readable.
**5:49**
